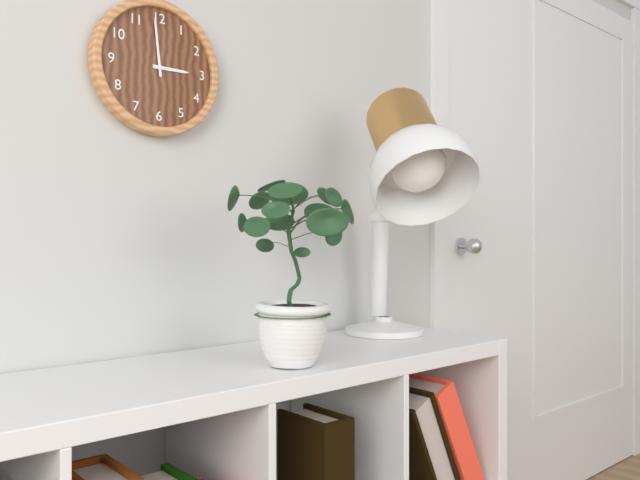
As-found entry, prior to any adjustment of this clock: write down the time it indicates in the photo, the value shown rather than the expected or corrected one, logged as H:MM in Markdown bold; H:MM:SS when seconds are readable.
**2:59**
